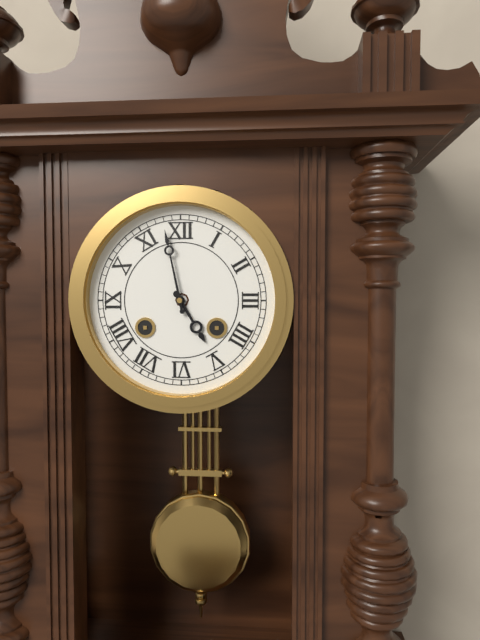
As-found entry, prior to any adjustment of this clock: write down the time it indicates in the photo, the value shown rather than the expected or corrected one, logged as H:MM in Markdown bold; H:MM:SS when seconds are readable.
**4:58**
